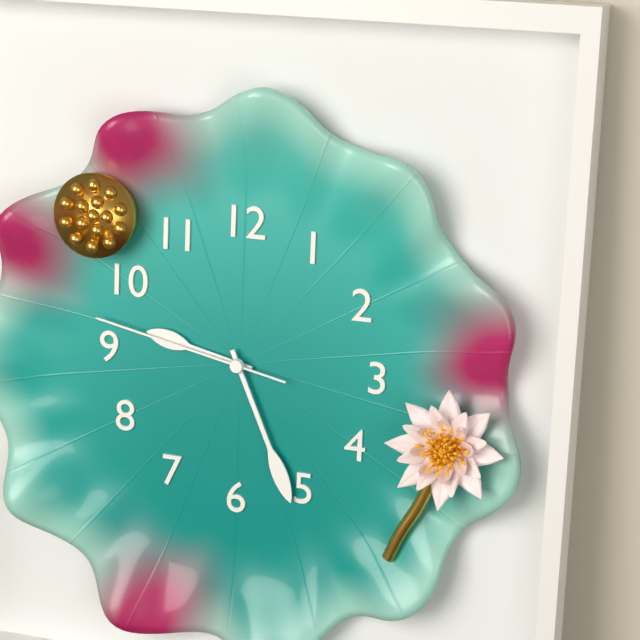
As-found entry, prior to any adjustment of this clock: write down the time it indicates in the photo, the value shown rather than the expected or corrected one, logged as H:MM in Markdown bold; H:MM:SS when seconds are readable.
**9:26:47**
